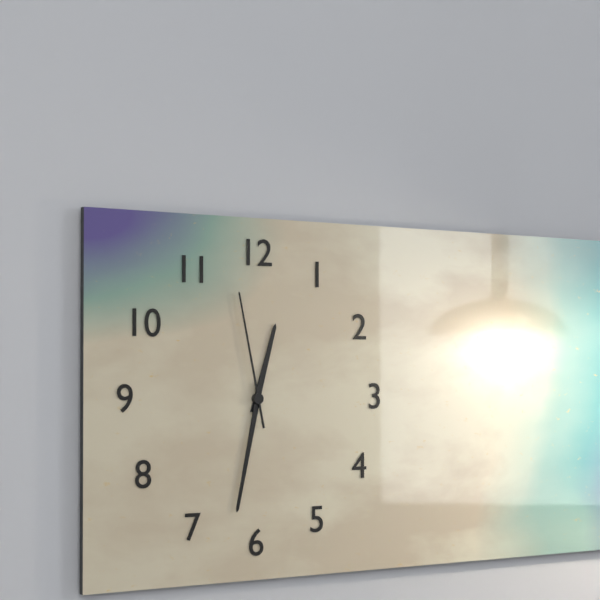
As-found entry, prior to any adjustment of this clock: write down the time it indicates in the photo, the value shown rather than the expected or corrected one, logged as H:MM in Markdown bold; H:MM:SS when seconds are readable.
**12:32:58**
